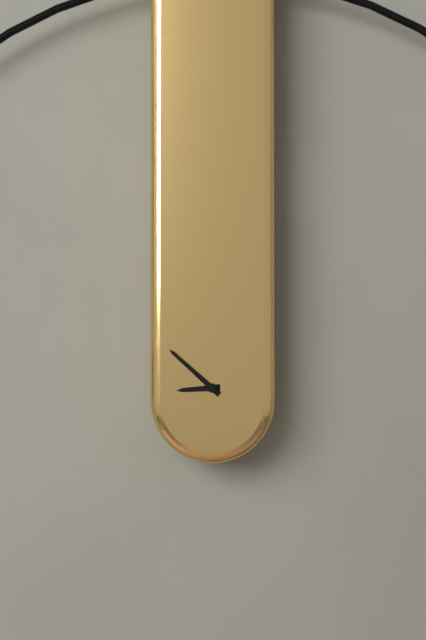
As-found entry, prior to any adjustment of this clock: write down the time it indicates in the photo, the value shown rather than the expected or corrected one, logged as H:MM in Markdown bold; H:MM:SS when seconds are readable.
**8:52**
